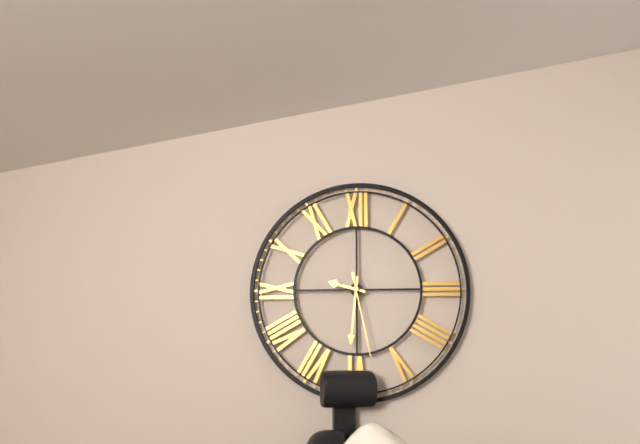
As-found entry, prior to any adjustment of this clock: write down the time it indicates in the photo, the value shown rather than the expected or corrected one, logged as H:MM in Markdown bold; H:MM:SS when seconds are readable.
**9:31:28**
